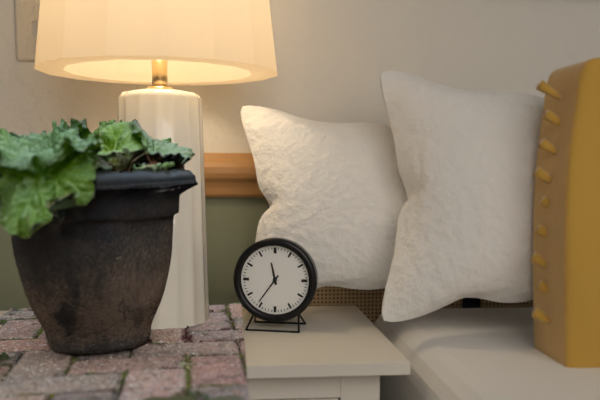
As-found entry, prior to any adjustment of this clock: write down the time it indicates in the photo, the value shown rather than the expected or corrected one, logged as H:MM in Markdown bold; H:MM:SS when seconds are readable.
**11:36**
